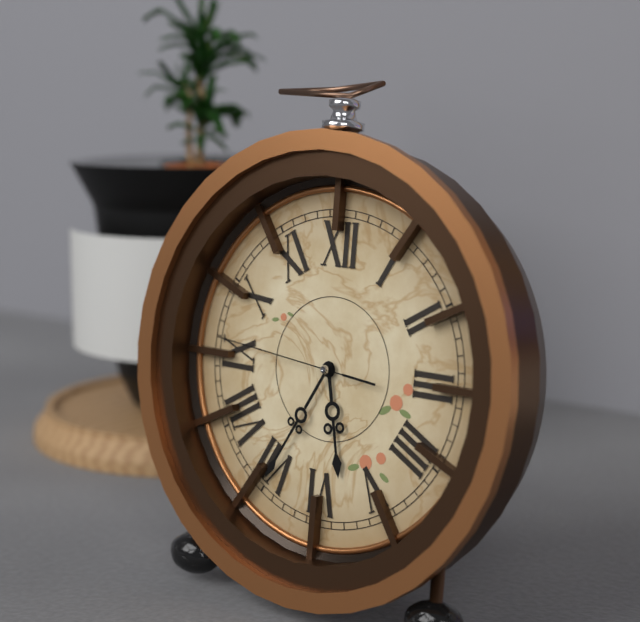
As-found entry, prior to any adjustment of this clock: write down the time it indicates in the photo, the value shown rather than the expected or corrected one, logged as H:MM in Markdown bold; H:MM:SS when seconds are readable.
**5:35:46**
